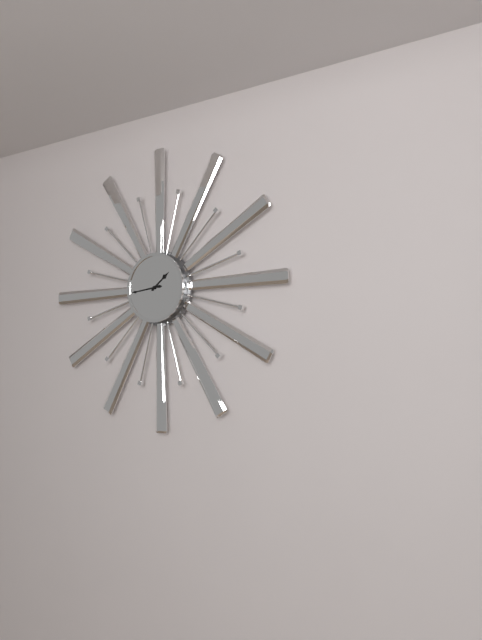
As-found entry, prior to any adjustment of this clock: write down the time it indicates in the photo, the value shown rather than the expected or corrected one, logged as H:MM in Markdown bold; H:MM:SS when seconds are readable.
**1:44**
